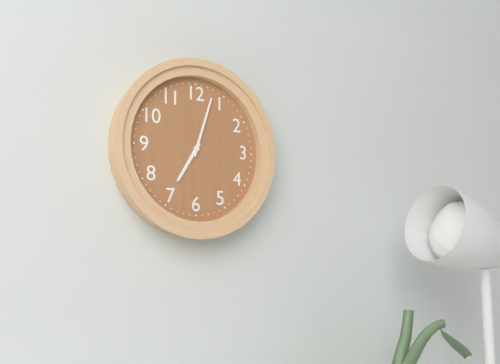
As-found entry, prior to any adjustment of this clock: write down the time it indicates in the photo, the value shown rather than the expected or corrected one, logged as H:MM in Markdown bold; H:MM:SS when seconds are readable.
**7:03**
